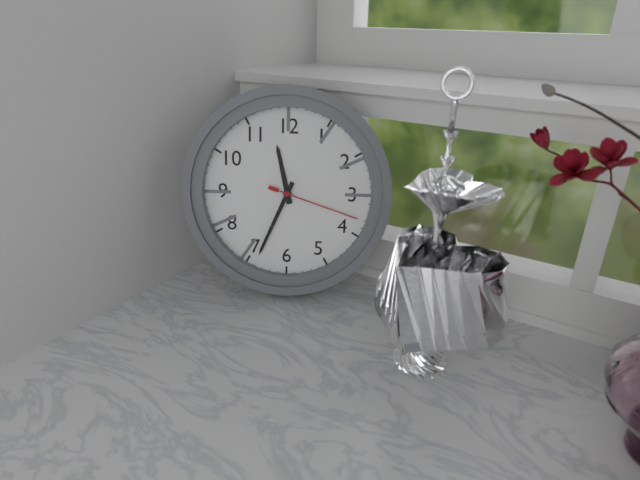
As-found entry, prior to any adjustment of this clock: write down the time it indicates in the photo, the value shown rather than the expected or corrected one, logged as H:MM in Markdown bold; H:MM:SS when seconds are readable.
**11:34:18**
